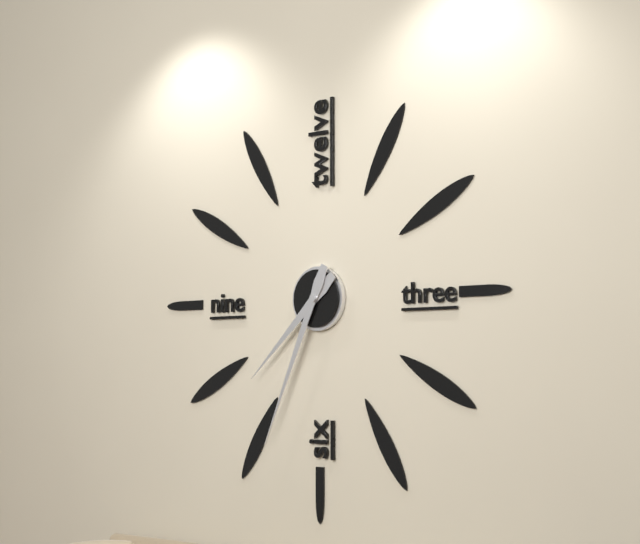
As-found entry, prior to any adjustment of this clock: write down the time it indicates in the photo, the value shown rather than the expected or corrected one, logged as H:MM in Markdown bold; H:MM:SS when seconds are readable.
**7:34**
